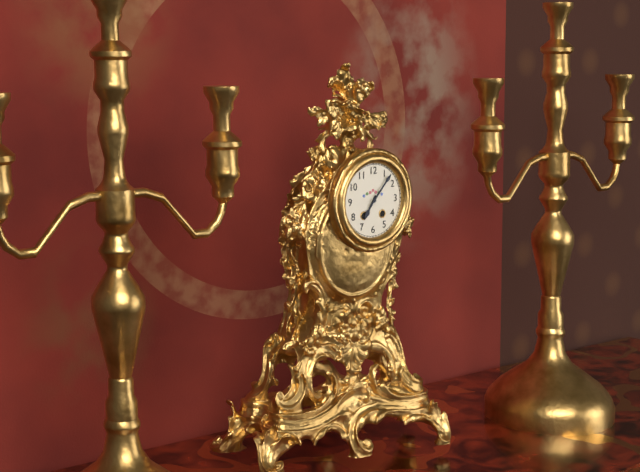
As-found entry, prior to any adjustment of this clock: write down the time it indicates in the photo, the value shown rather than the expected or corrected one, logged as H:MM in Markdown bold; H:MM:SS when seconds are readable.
**7:07**
